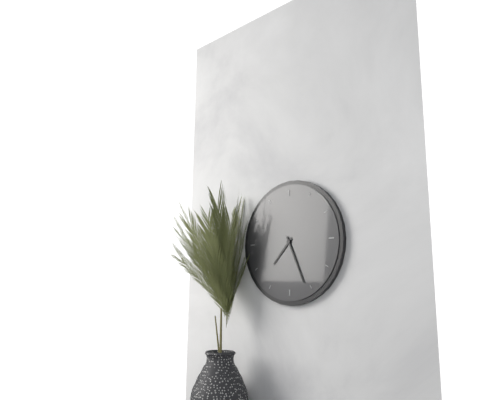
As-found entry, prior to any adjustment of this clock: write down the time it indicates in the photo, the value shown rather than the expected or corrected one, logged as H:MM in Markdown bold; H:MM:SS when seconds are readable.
**7:26**
